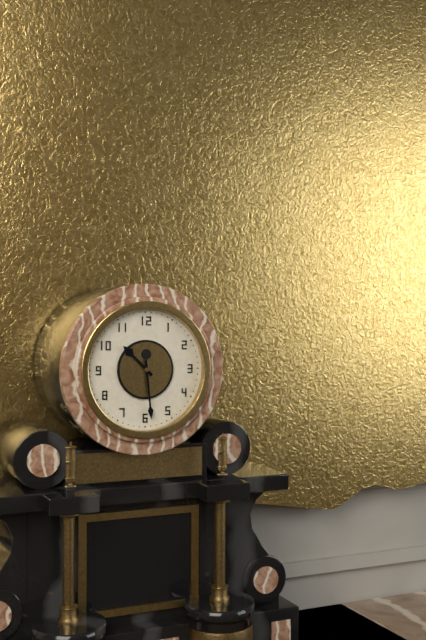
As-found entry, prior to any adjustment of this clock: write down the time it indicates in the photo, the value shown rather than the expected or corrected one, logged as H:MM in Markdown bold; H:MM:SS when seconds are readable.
**10:29**
